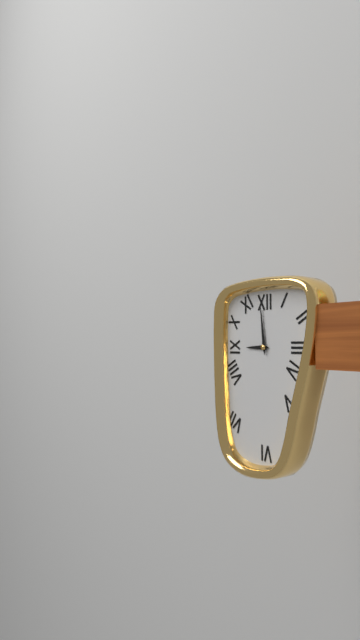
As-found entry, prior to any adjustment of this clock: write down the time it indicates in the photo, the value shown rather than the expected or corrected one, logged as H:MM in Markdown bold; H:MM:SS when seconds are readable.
**8:59**
